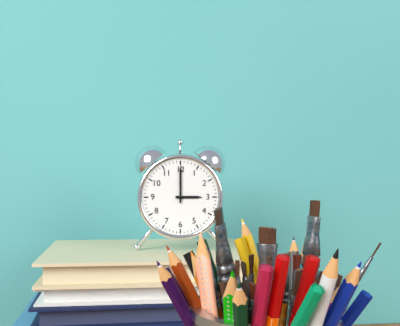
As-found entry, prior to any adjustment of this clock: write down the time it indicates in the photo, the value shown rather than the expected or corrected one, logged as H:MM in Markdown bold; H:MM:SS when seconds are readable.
**3:00**
